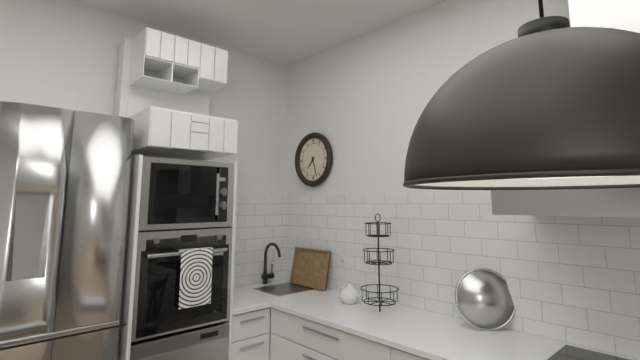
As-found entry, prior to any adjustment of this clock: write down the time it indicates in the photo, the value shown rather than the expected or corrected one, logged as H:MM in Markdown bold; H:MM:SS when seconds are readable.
**7:27**
